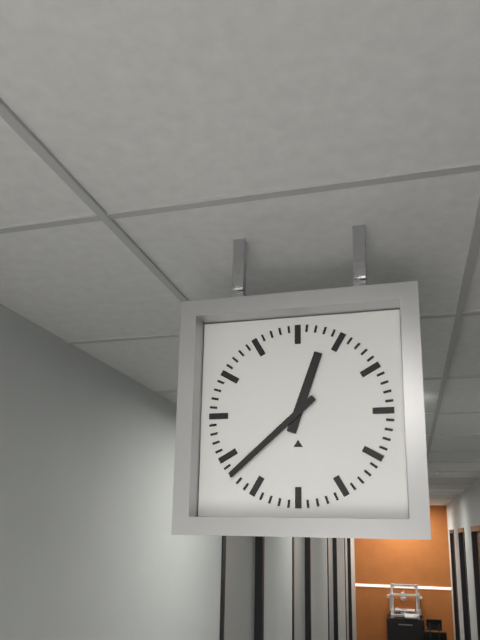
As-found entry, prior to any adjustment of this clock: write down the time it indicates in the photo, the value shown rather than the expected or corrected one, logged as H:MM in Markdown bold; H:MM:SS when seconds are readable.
**12:38**
